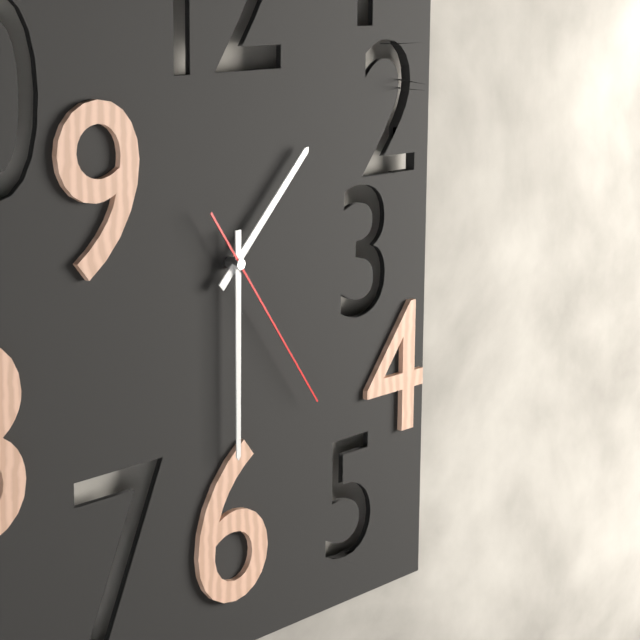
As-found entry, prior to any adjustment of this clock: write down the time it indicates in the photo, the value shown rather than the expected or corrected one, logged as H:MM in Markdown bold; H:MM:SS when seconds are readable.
**1:30:24**
